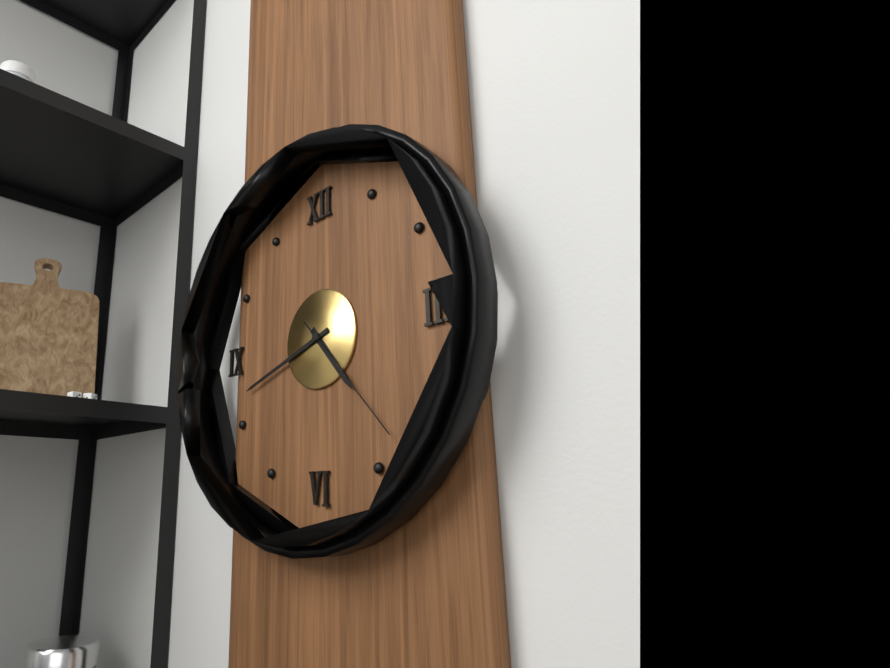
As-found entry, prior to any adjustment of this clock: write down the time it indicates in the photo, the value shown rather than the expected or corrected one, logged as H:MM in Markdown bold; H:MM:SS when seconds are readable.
**4:42:23**
